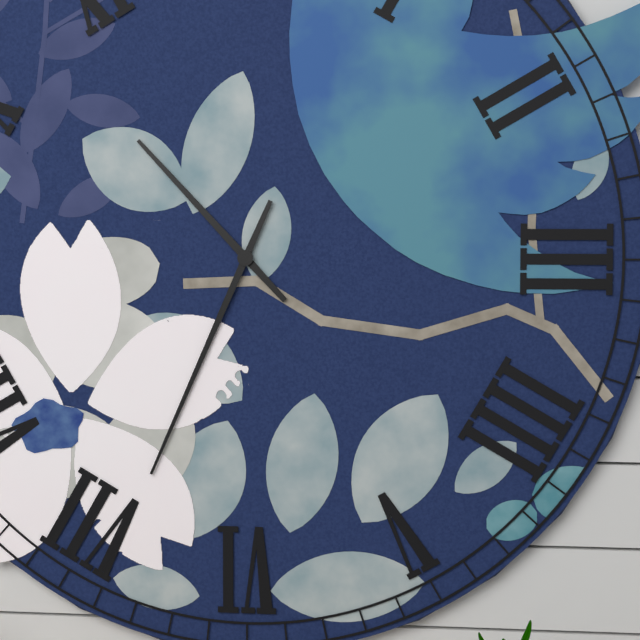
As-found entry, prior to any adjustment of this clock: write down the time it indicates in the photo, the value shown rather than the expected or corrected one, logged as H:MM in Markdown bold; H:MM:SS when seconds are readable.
**10:34**
